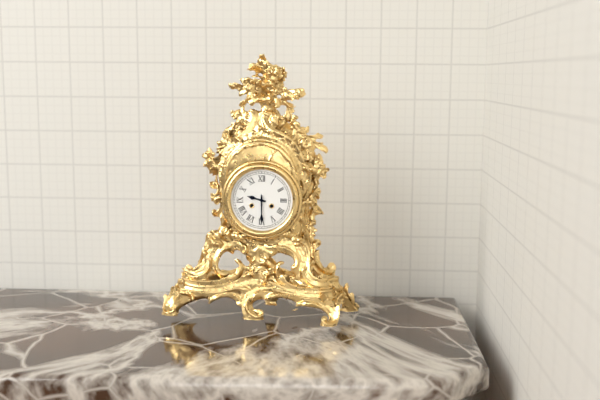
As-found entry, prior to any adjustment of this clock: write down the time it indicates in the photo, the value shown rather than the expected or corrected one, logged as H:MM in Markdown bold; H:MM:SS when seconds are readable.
**9:30**
